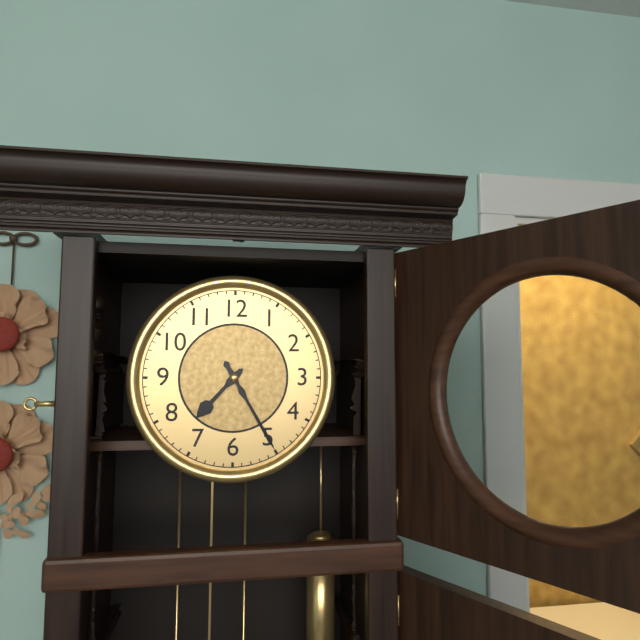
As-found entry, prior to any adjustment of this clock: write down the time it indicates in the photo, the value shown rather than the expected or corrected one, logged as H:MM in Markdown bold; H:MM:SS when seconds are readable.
**7:25**
